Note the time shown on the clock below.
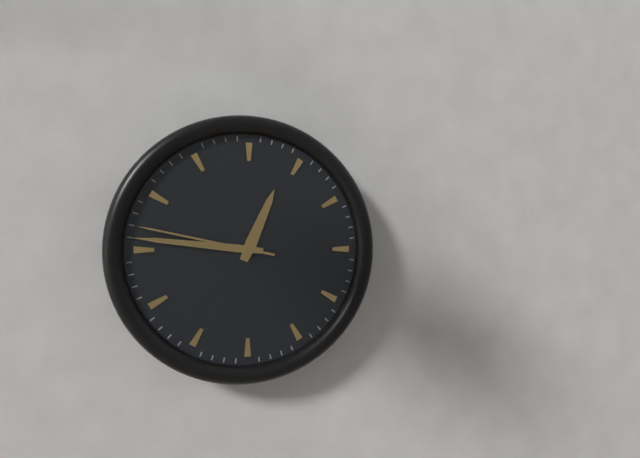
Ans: 12:46:47
